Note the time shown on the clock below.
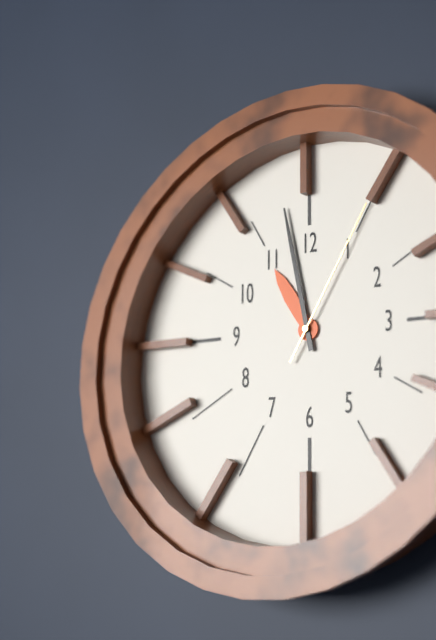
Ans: 10:58:05
